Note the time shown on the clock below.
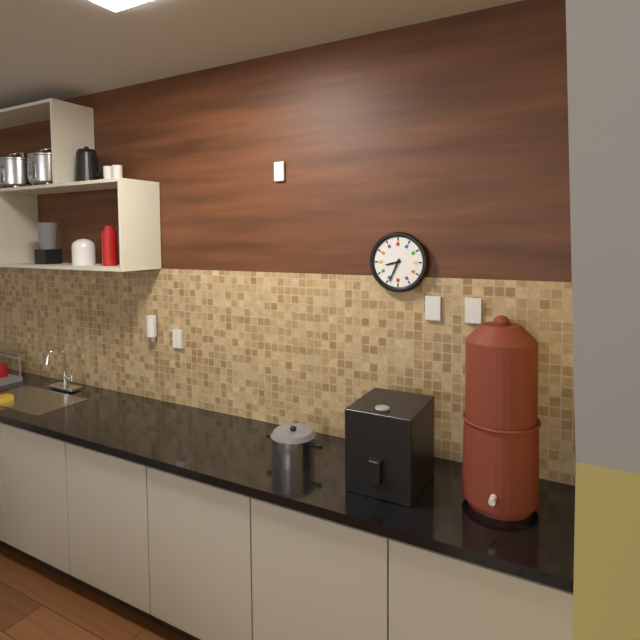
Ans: 8:34
